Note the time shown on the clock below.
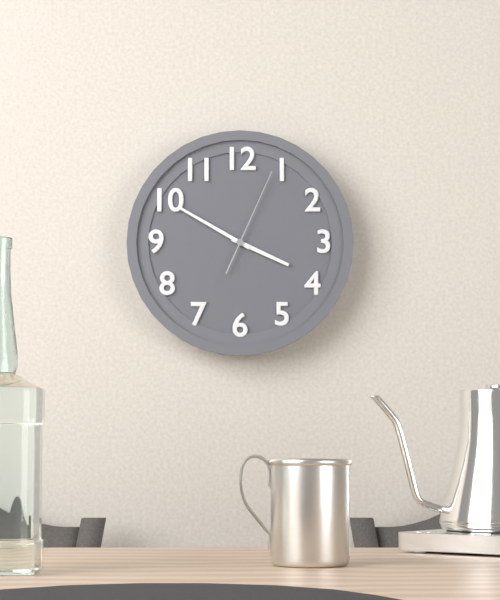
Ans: 3:50:04
